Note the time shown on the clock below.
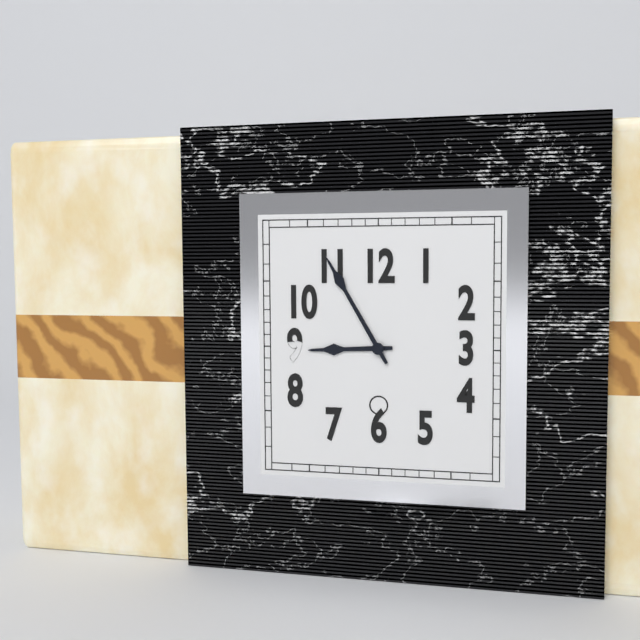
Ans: 8:55
